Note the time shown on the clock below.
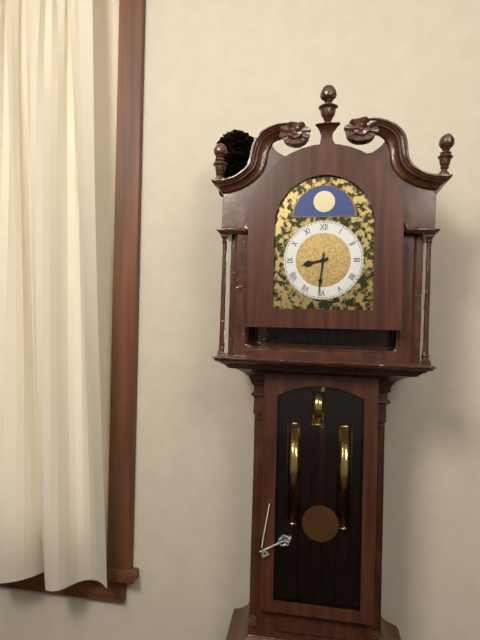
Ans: 8:31
